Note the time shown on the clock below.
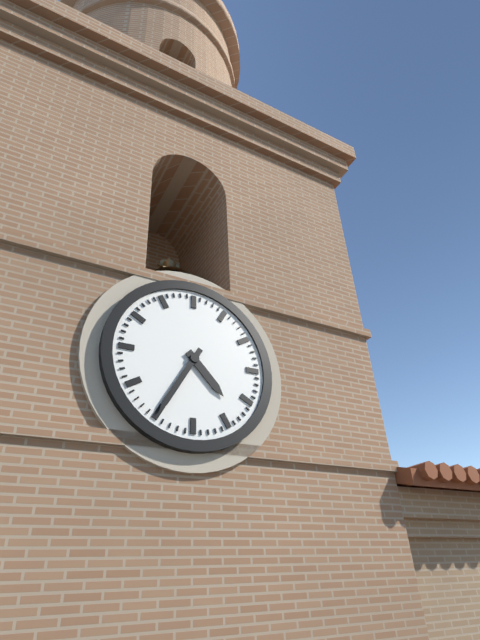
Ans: 4:35
